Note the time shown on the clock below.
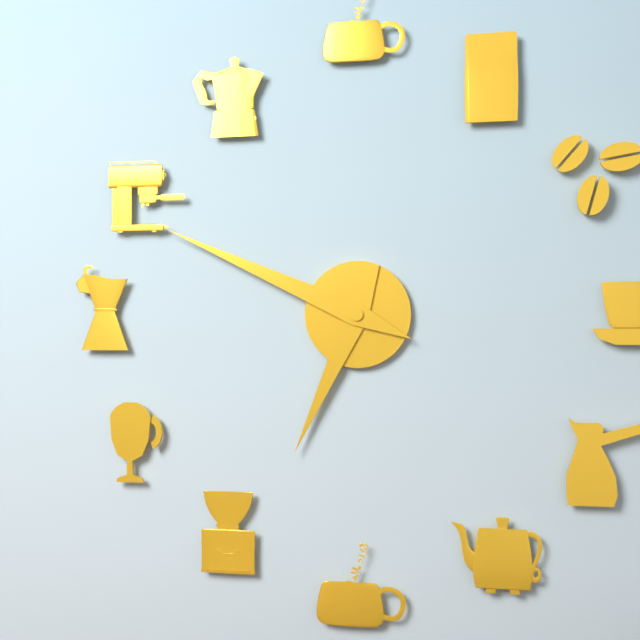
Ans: 6:49
